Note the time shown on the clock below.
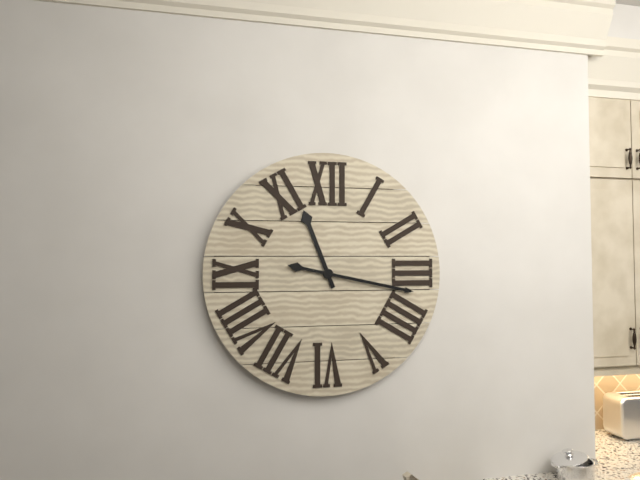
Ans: 11:17
